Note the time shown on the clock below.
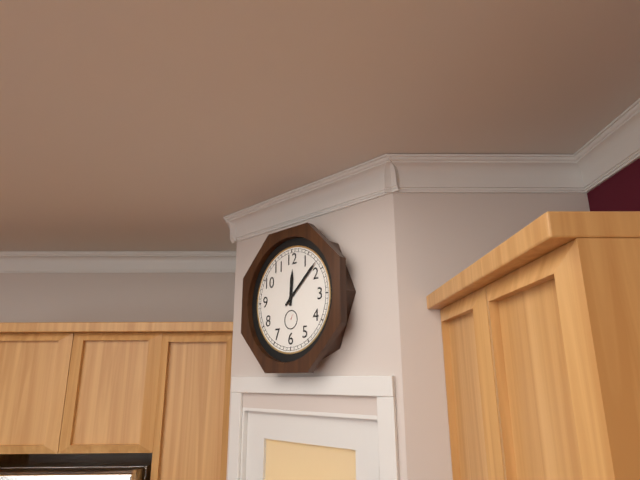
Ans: 12:08
